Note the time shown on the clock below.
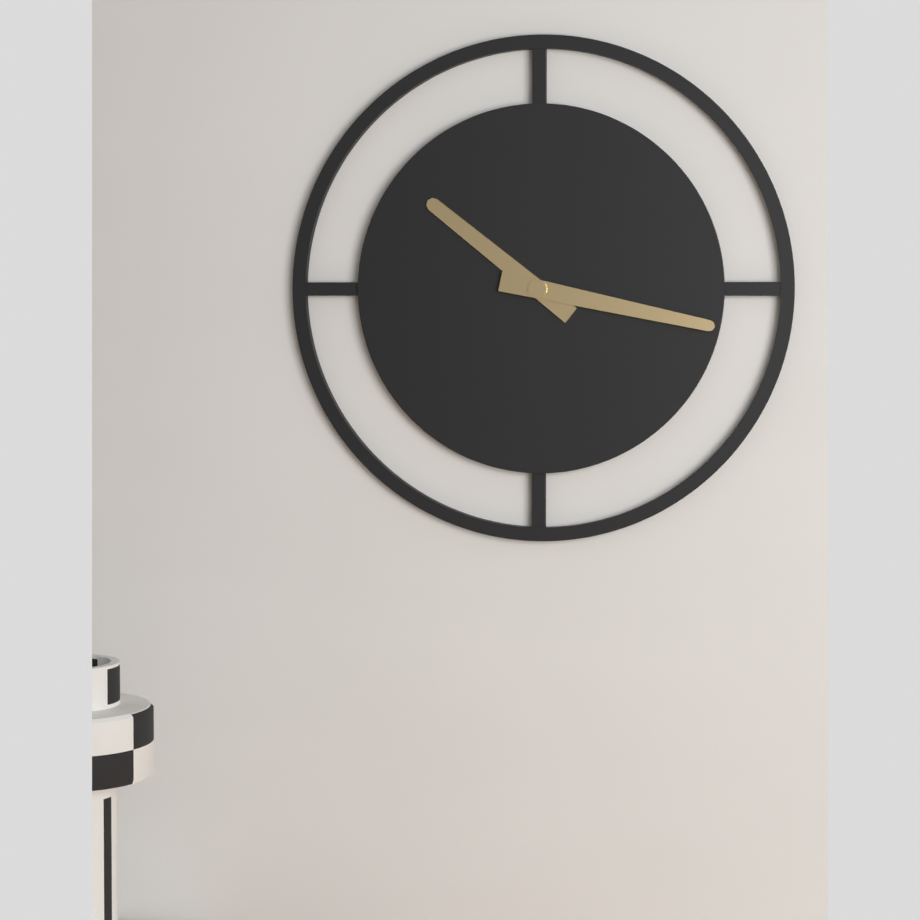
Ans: 10:17
